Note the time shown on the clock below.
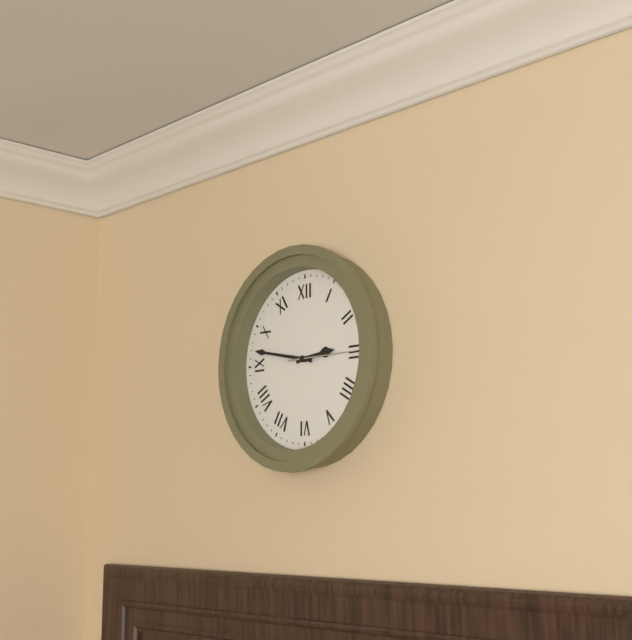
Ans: 2:47:15
